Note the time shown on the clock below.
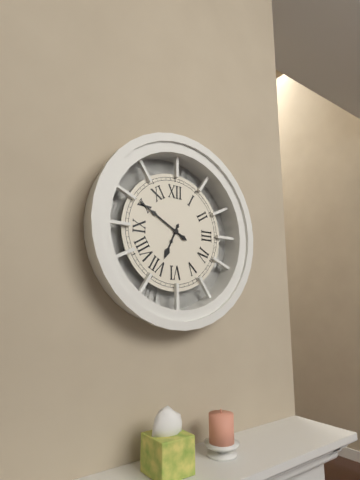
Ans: 6:50
